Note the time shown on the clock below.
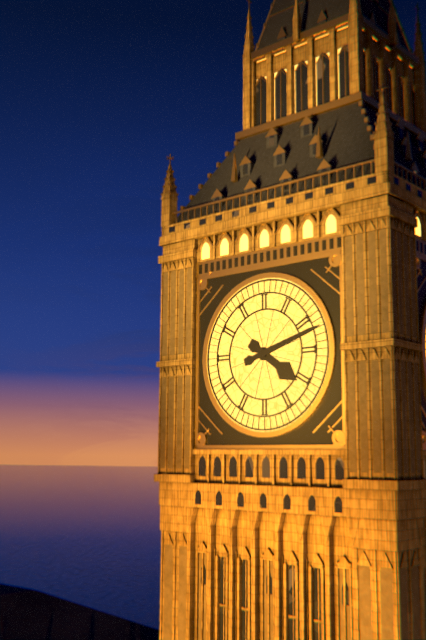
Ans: 4:12
